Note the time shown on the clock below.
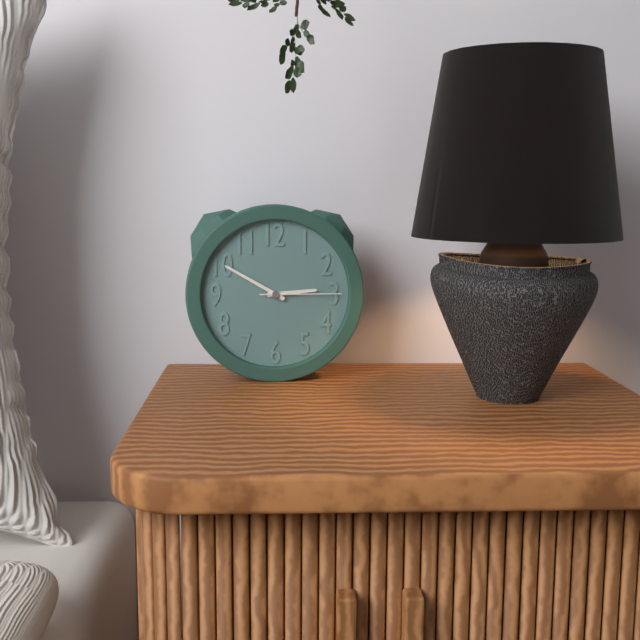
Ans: 2:50:15
